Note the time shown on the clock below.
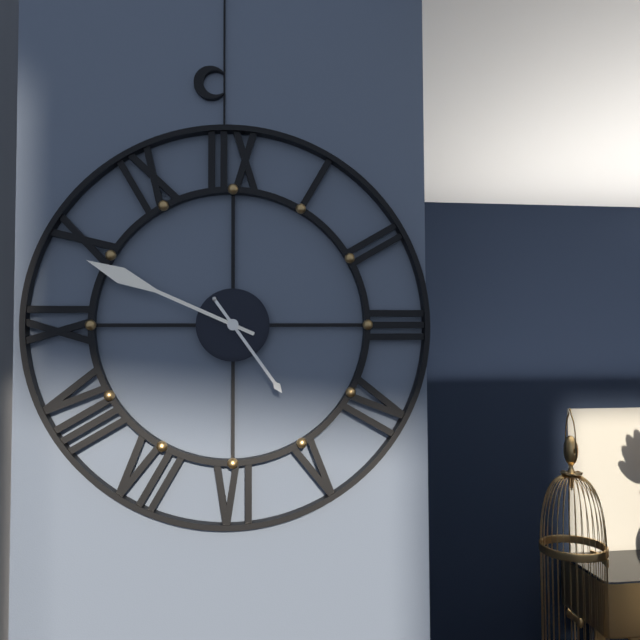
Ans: 4:49
